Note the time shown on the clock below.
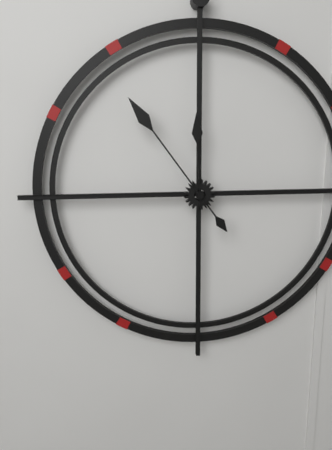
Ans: 11:54
